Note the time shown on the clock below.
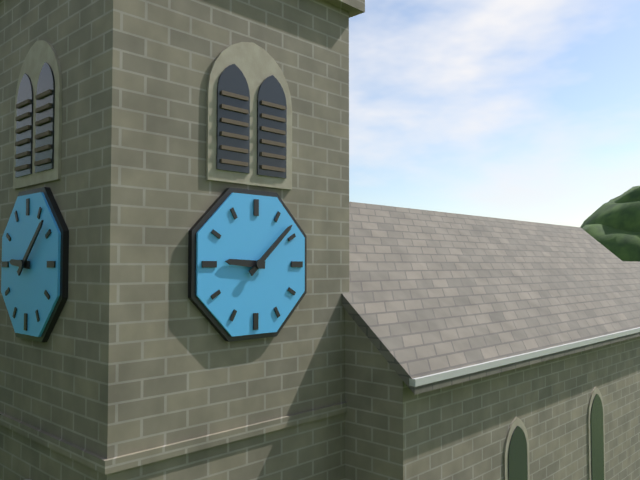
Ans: 9:08
